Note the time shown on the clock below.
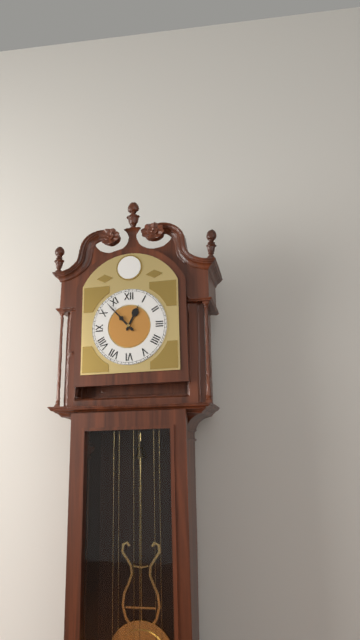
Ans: 12:53
